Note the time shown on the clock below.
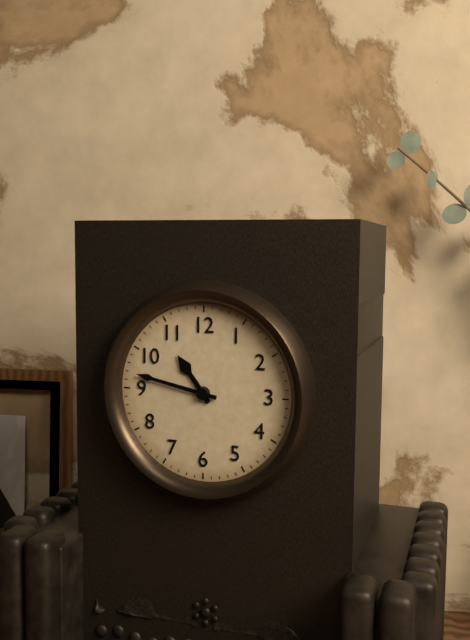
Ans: 10:47
